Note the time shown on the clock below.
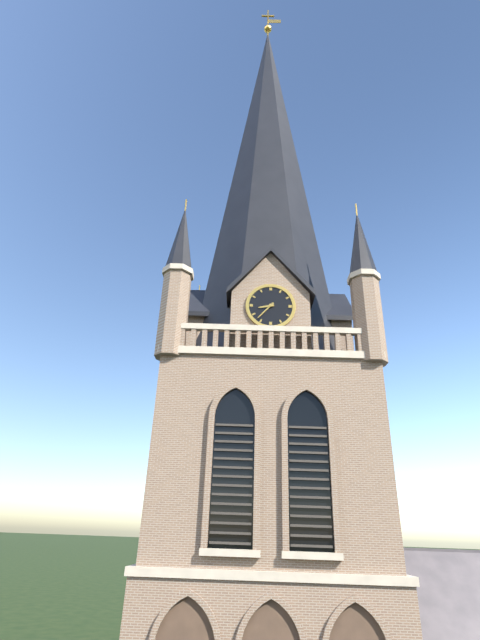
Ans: 8:37
